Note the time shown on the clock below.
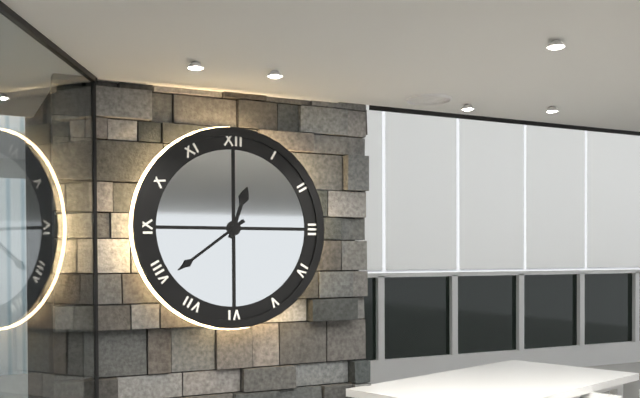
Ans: 12:39
